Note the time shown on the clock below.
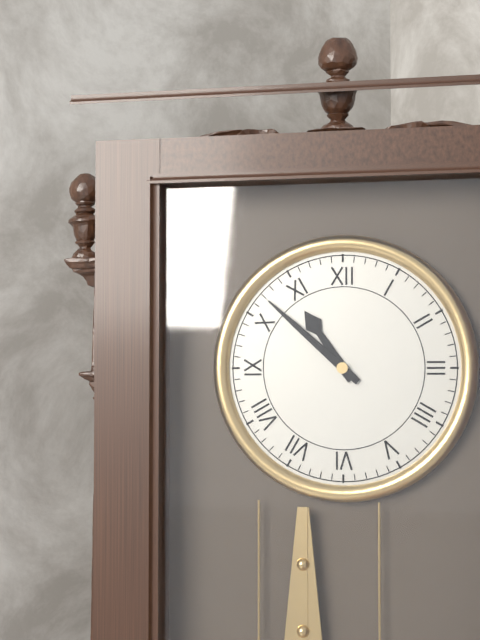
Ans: 10:52
